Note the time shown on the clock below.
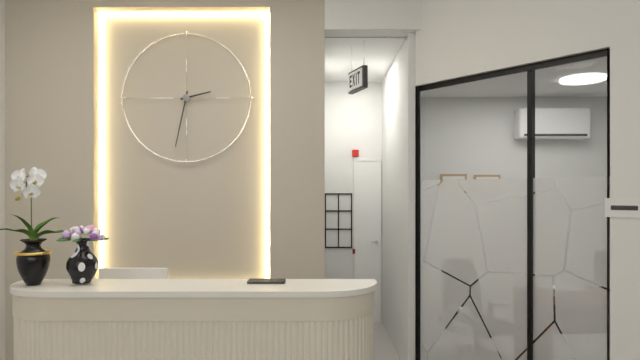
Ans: 2:32
